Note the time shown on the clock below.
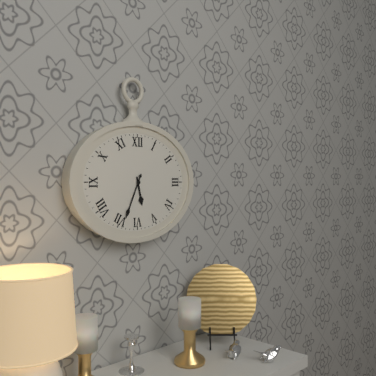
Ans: 5:34
